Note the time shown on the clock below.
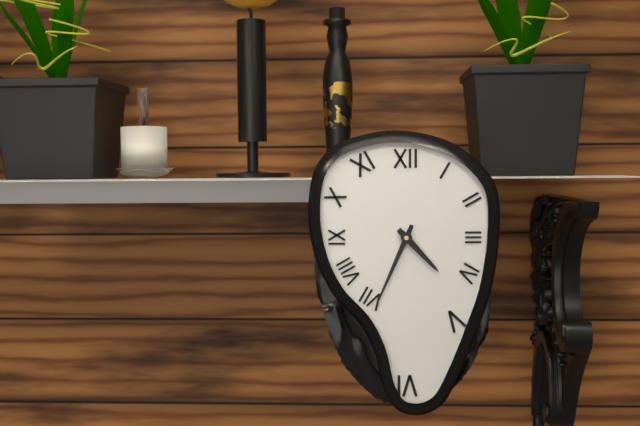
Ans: 4:34
